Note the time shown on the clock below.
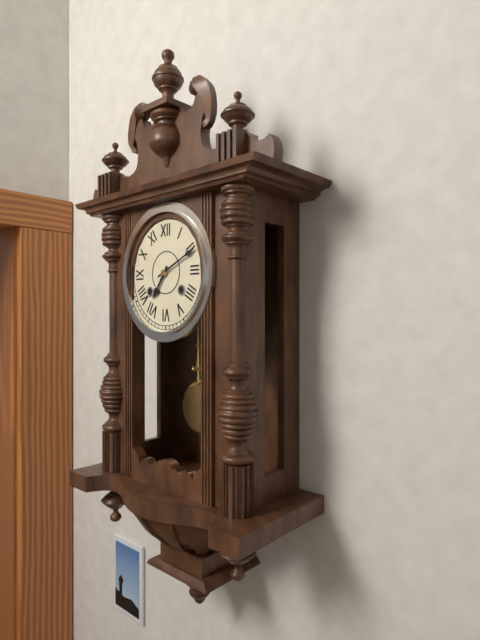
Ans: 7:11
